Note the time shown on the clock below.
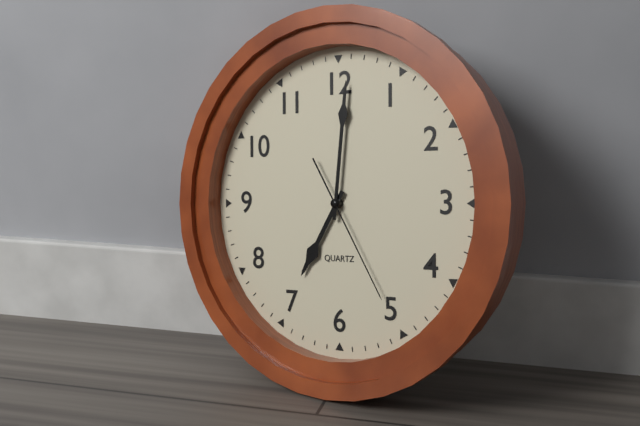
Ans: 7:01:25
